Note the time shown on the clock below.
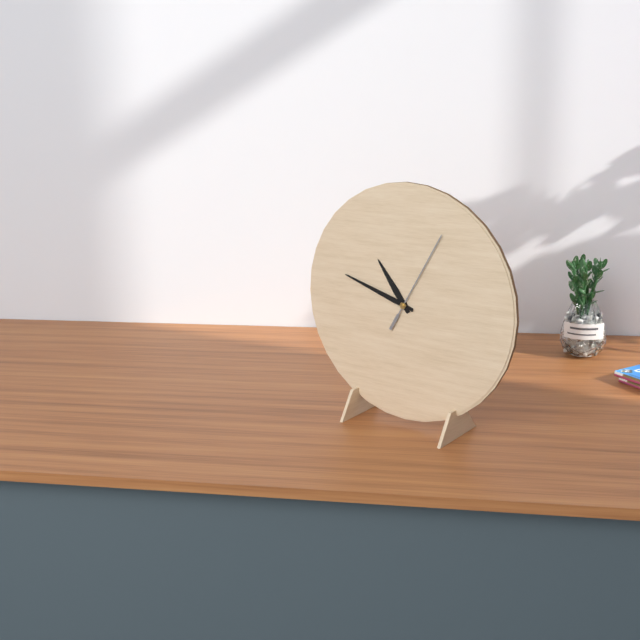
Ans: 10:48:05
